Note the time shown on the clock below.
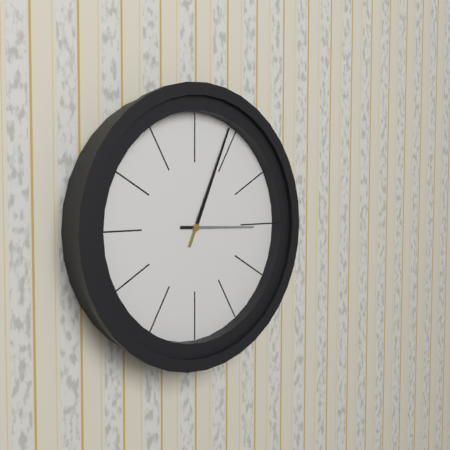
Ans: 3:04
